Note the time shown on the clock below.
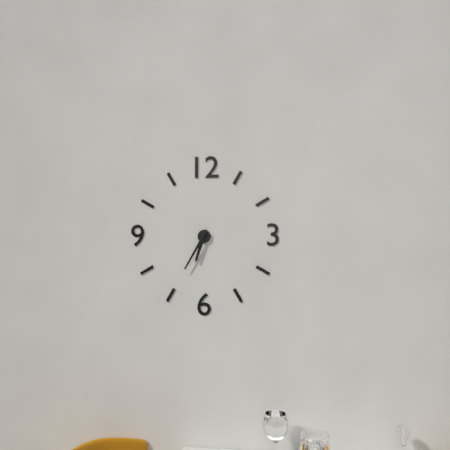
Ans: 6:35
